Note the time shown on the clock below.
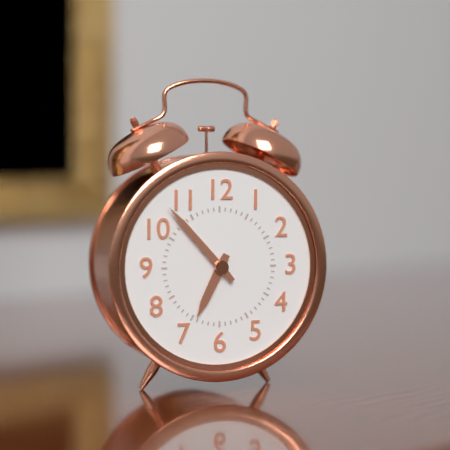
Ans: 6:53
